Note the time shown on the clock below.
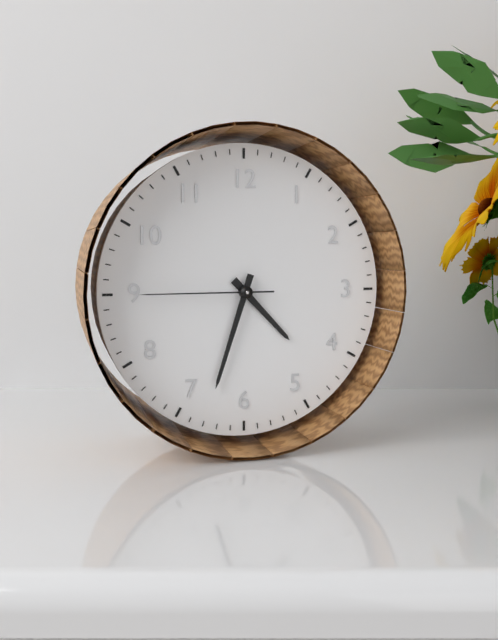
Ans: 4:33:45
